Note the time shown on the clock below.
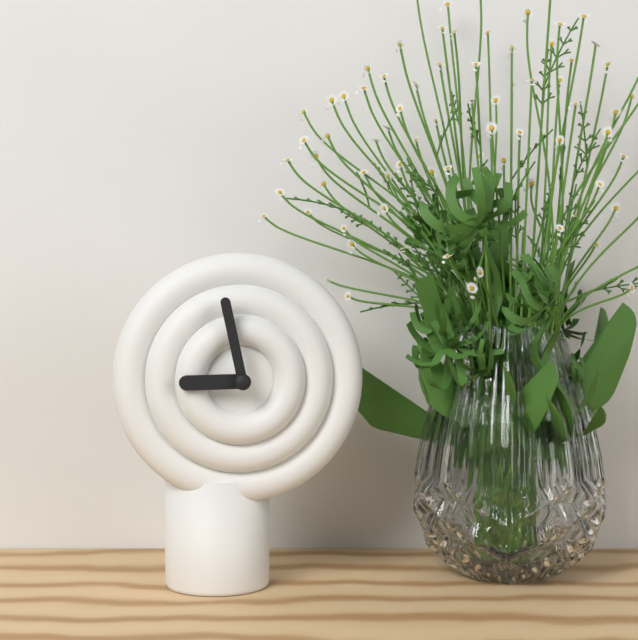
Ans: 8:58
